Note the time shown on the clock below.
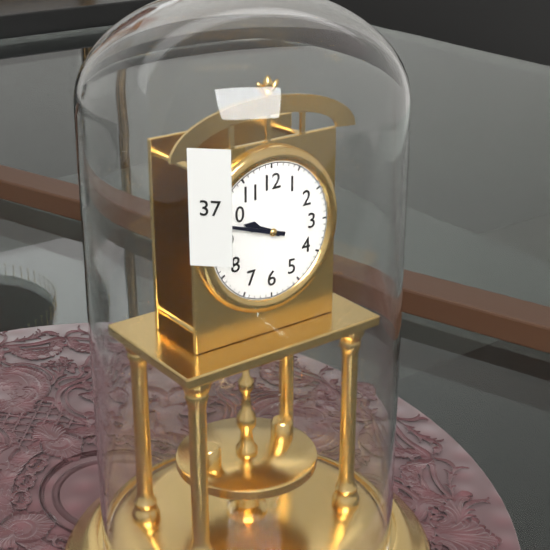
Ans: 9:48
